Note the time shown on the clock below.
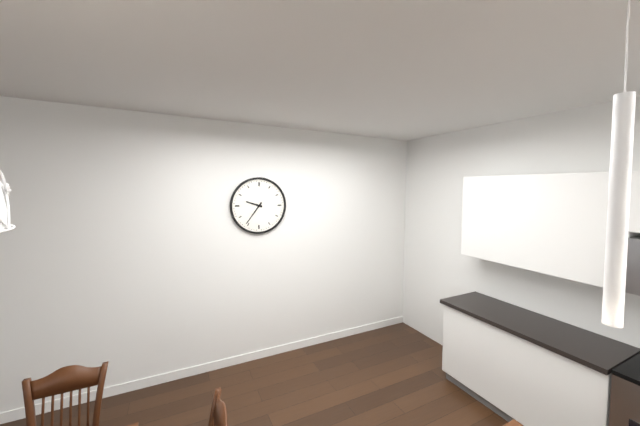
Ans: 9:36
